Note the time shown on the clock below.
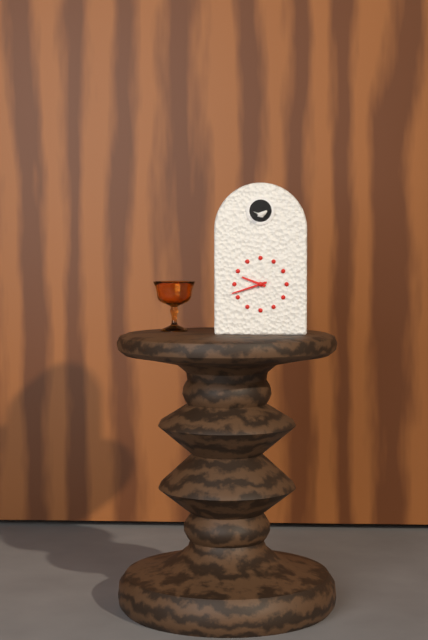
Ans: 9:42
